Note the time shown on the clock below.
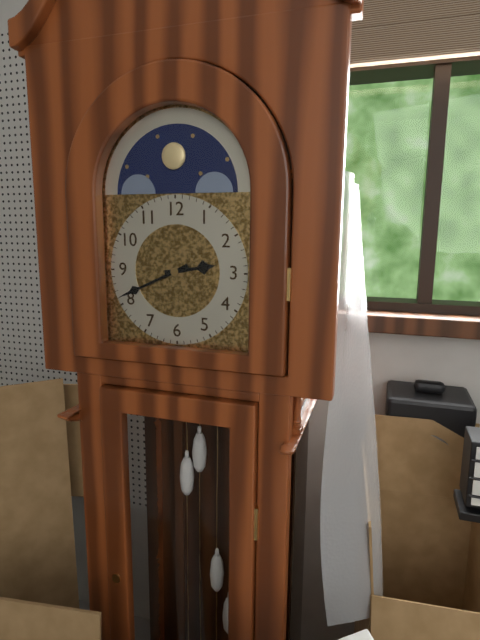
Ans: 2:41
